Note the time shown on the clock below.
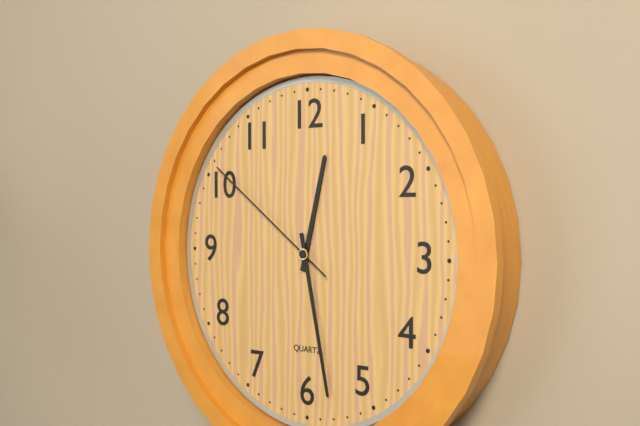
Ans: 12:28:51
